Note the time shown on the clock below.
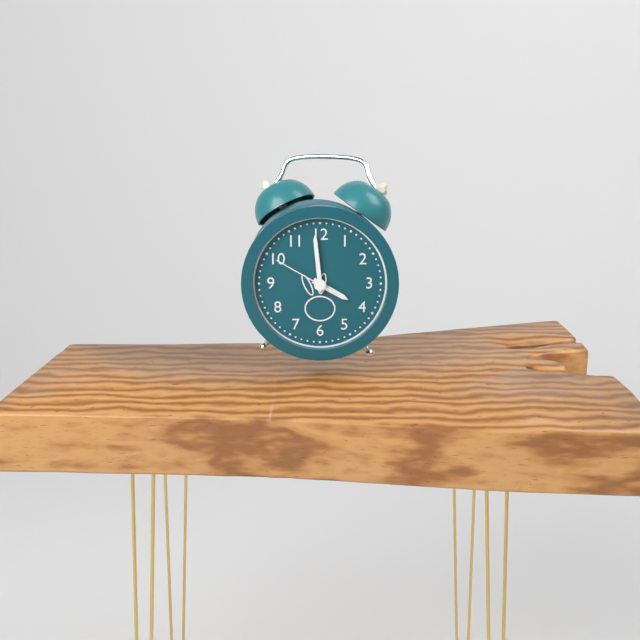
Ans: 3:59:50
